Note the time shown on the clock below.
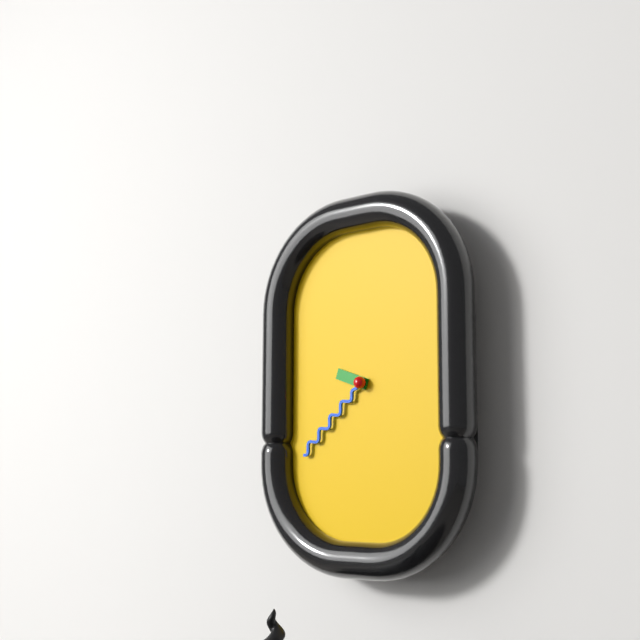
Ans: 9:38
